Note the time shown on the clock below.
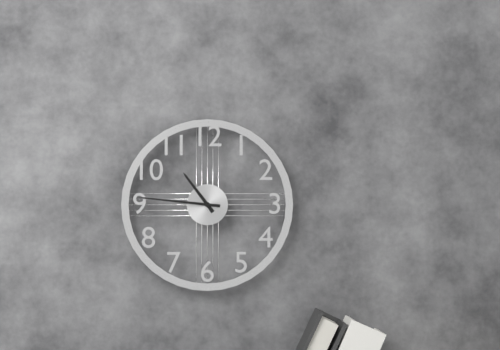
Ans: 10:46
